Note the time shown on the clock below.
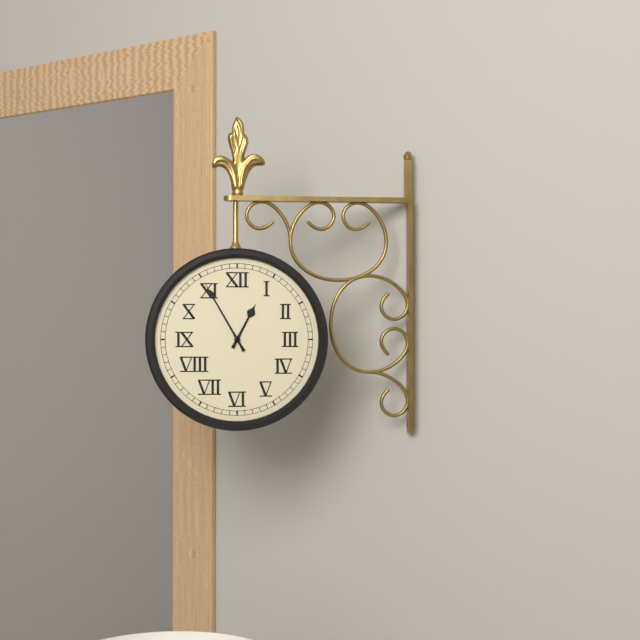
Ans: 12:55
